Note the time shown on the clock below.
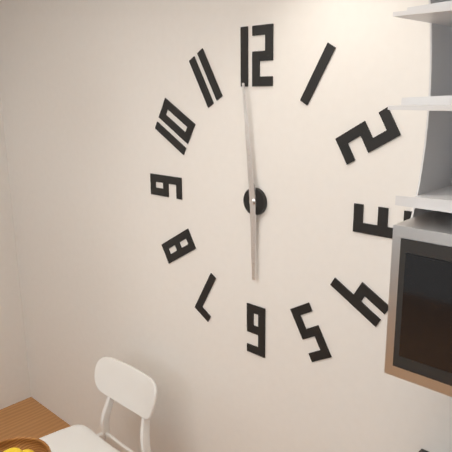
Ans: 5:59
